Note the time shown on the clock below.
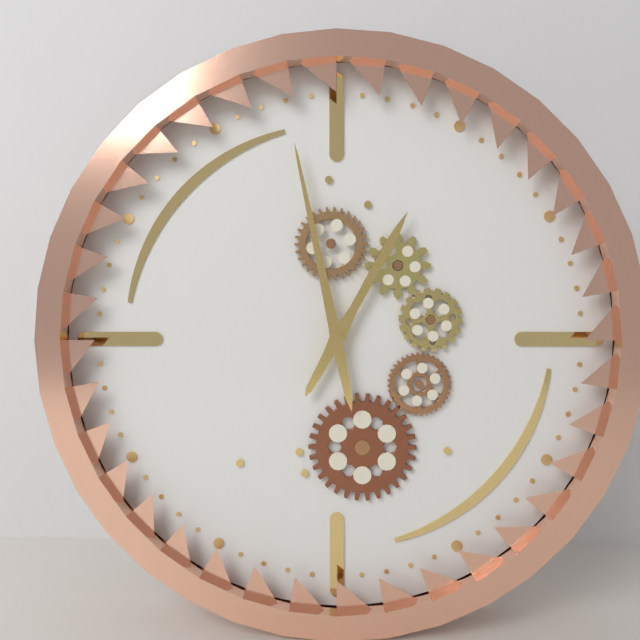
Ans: 12:58
